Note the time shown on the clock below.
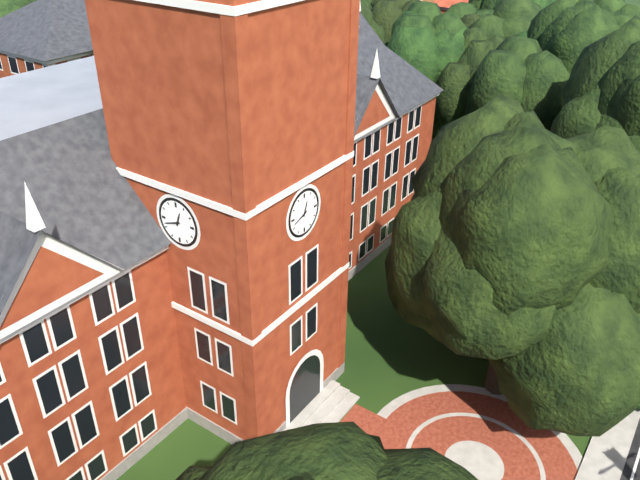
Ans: 12:42
